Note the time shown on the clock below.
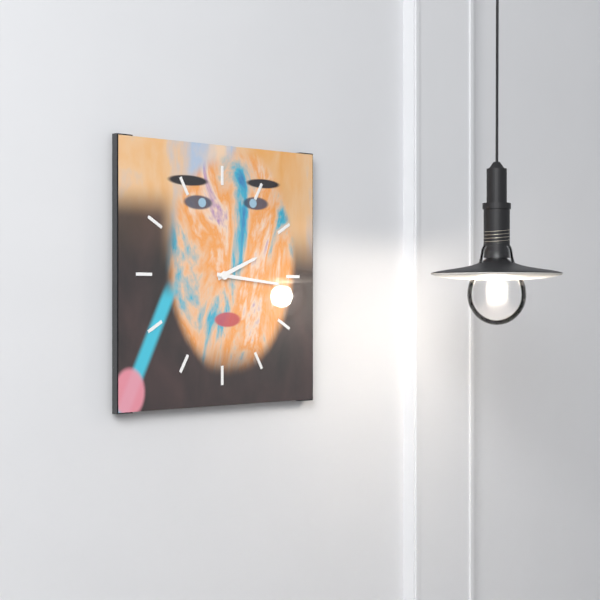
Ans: 2:16
